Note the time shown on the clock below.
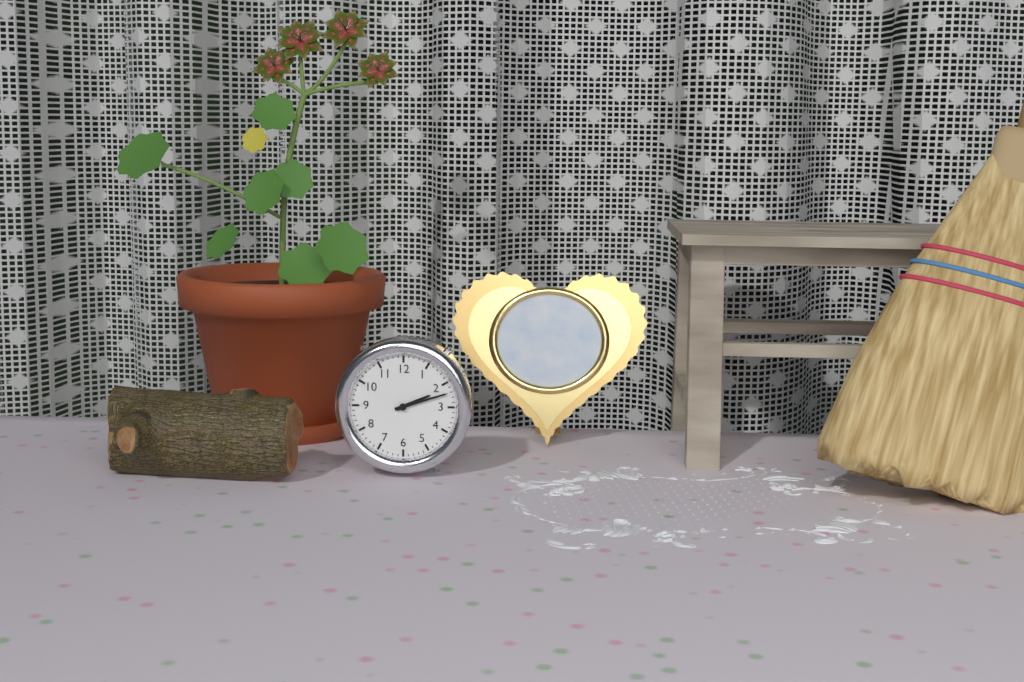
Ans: 2:12
